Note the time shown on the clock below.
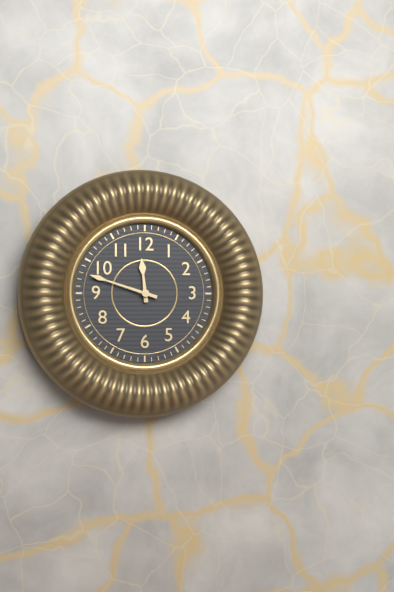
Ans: 11:48
